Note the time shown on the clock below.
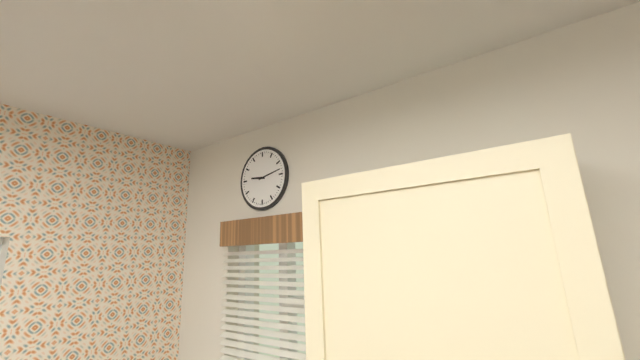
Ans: 9:13
